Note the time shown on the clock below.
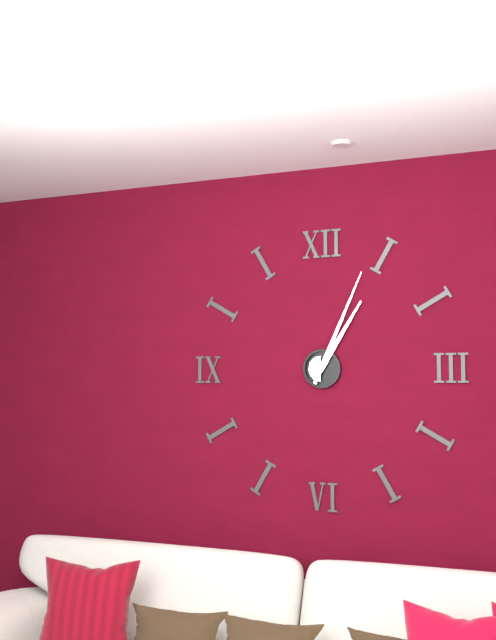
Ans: 1:04
